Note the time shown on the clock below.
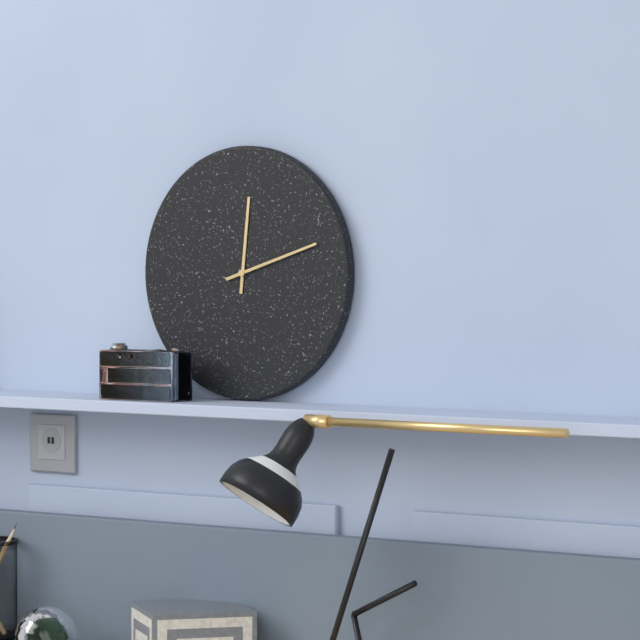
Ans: 12:12
